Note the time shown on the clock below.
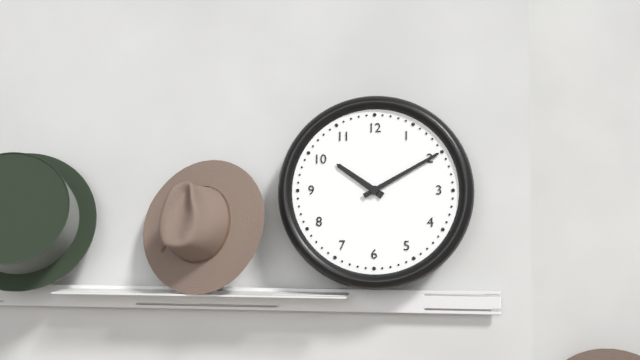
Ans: 10:10
